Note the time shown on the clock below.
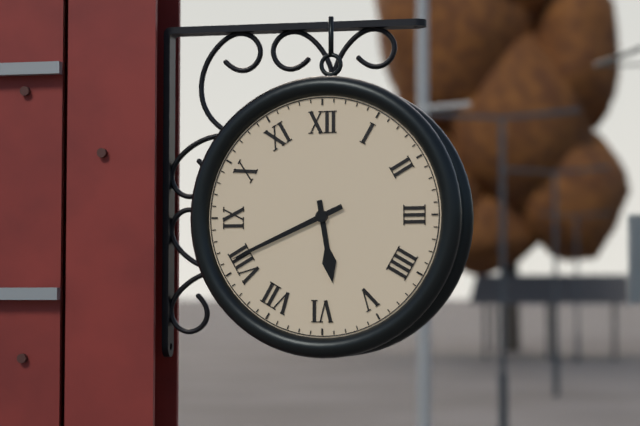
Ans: 5:41
